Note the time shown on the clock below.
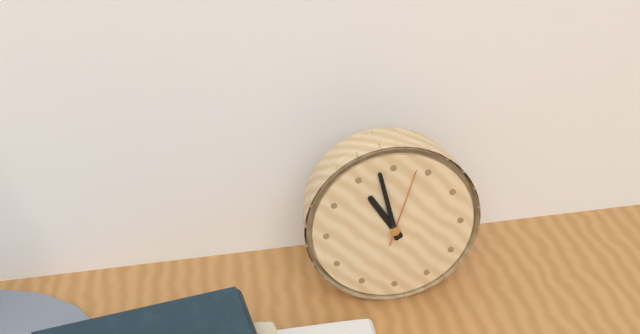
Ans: 10:58:03
